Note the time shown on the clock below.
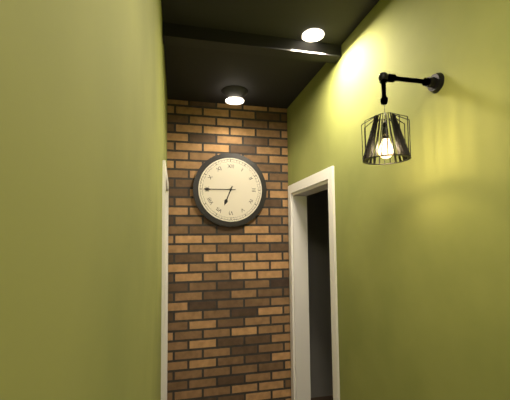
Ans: 6:45
